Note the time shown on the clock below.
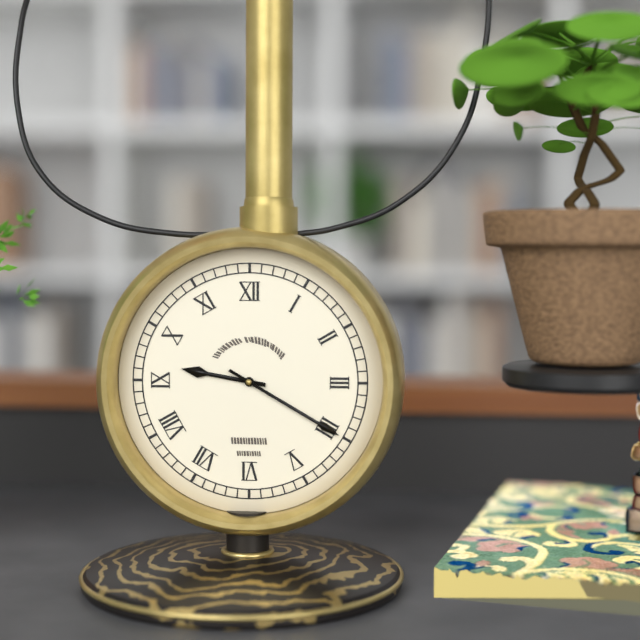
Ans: 9:20
